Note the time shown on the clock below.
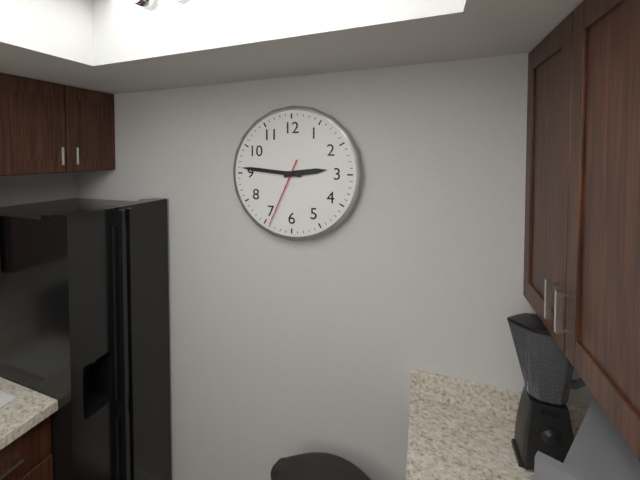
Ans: 2:46:34
